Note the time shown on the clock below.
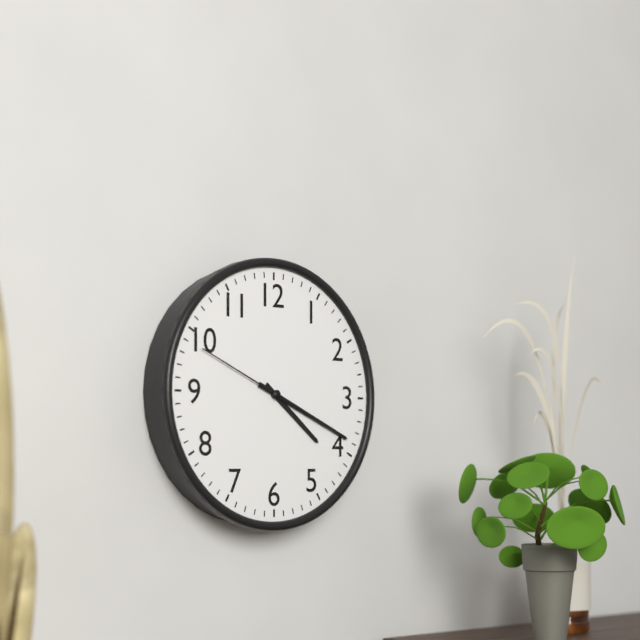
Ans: 4:19:49
